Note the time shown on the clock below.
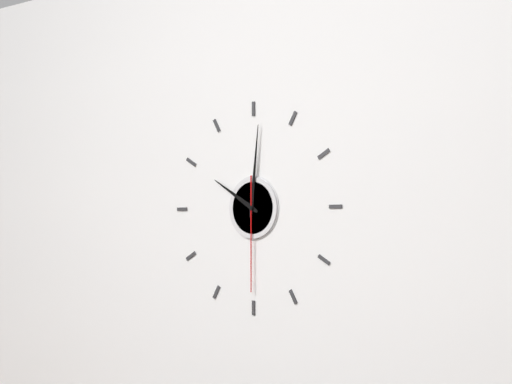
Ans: 10:01:30
